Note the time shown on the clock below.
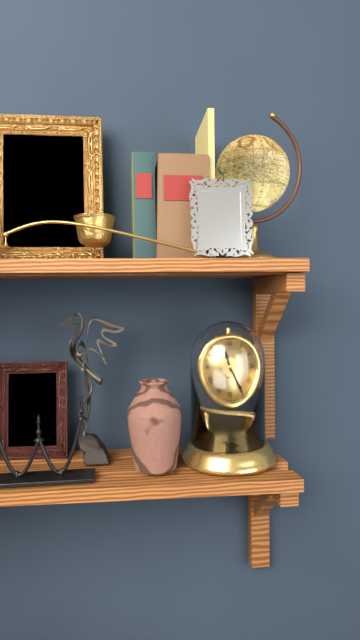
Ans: 11:25
